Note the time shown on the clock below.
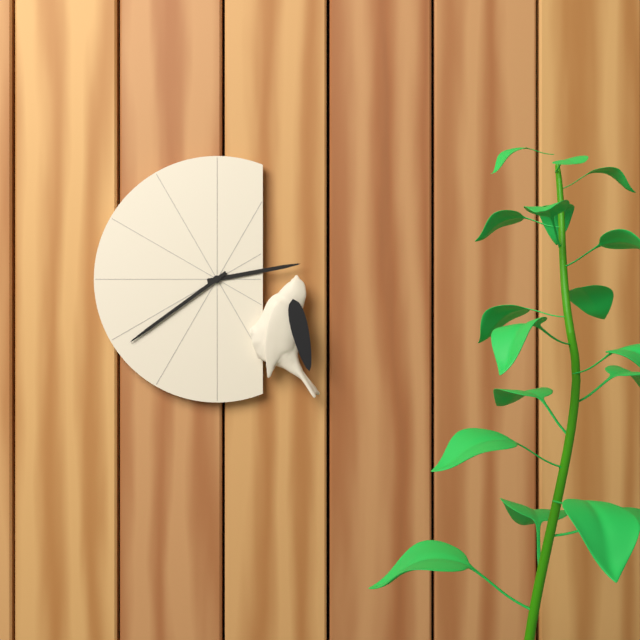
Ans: 2:39
